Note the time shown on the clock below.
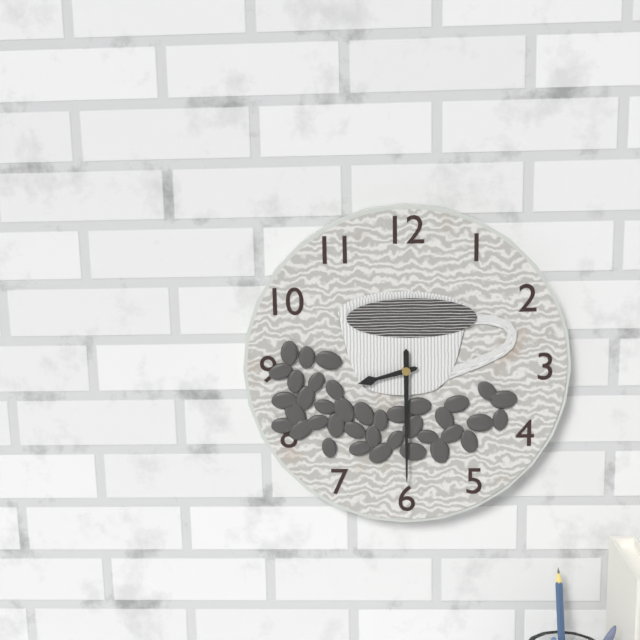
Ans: 8:30
